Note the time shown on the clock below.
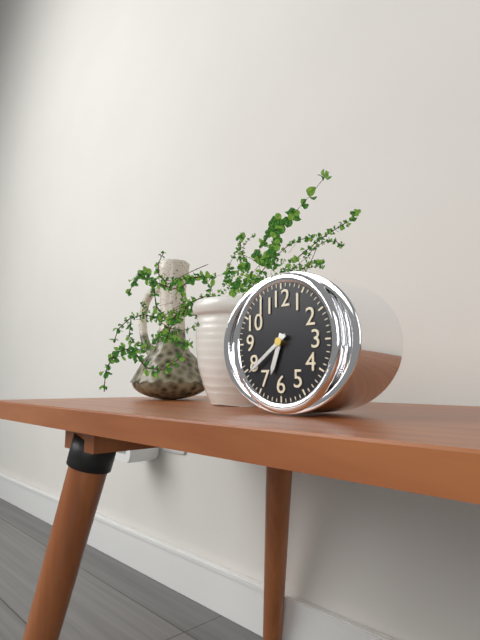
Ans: 6:39
